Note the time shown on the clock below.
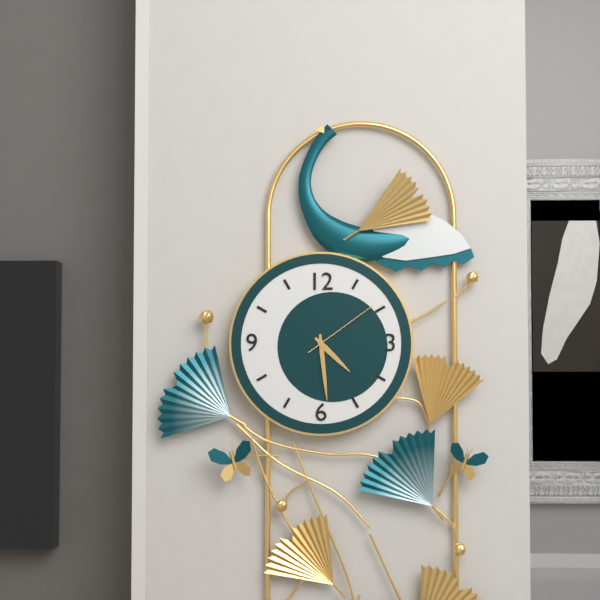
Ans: 4:29:09
